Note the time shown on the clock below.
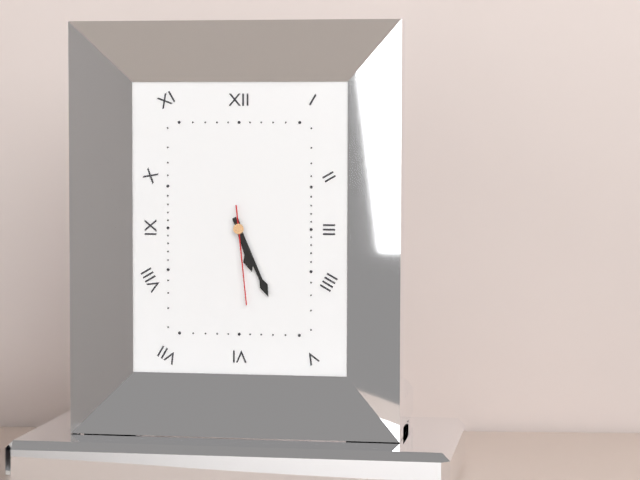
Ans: 5:26:29
